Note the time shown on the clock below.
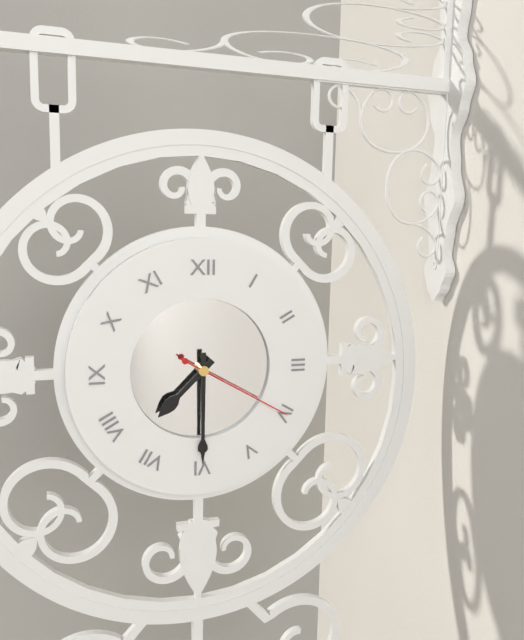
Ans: 7:30:20
